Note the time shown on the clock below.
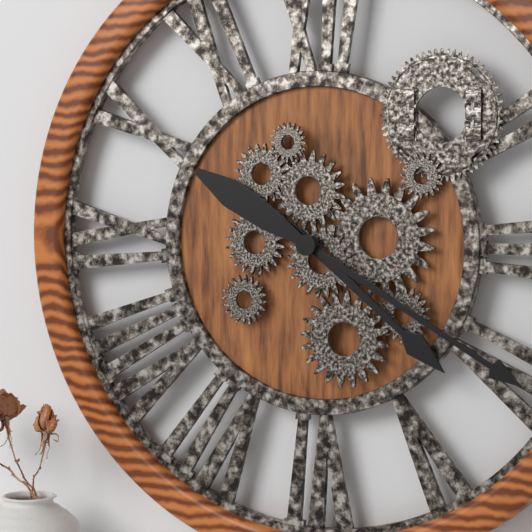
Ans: 4:20
